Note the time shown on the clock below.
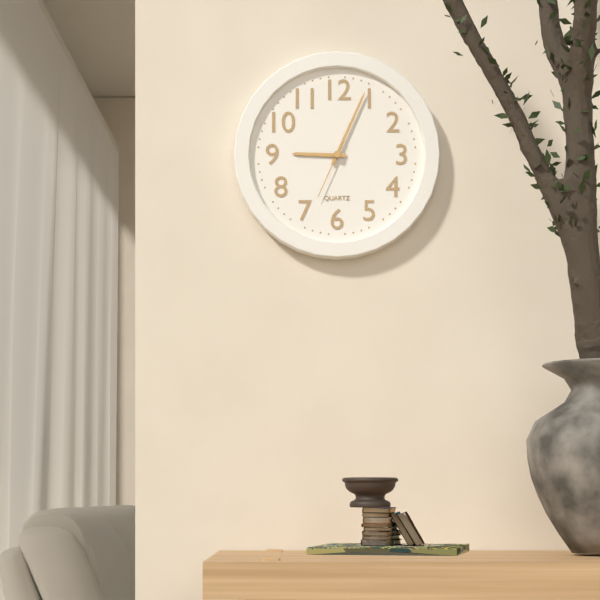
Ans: 9:04:34
